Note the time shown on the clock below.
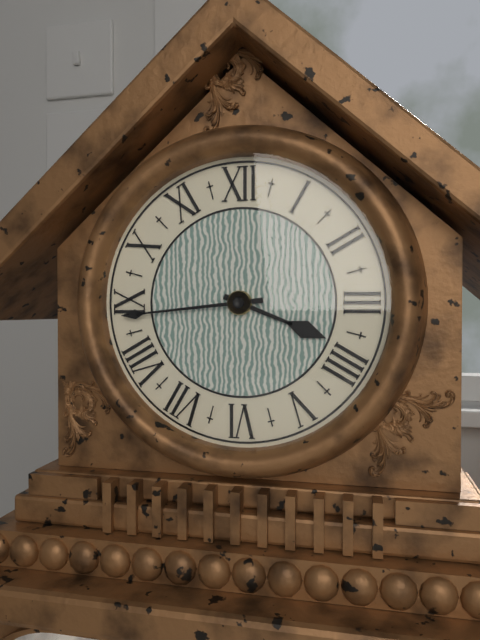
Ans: 3:44
